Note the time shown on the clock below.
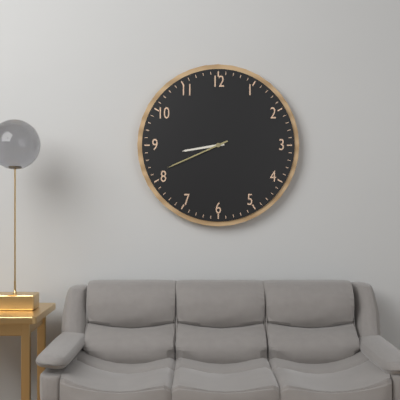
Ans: 8:41
